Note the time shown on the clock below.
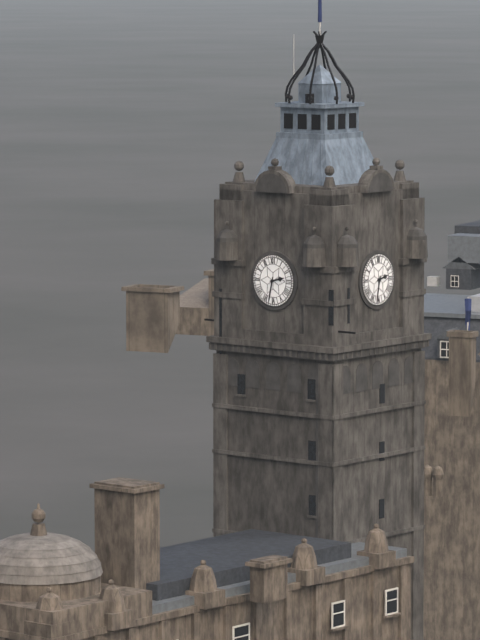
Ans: 2:32
